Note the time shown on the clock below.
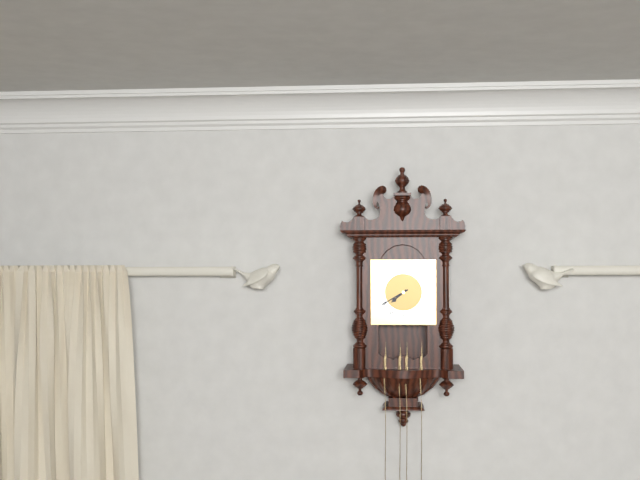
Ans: 7:40
